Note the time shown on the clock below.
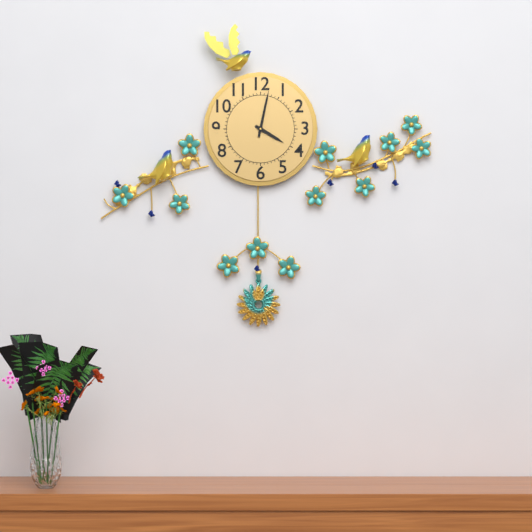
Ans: 4:02
